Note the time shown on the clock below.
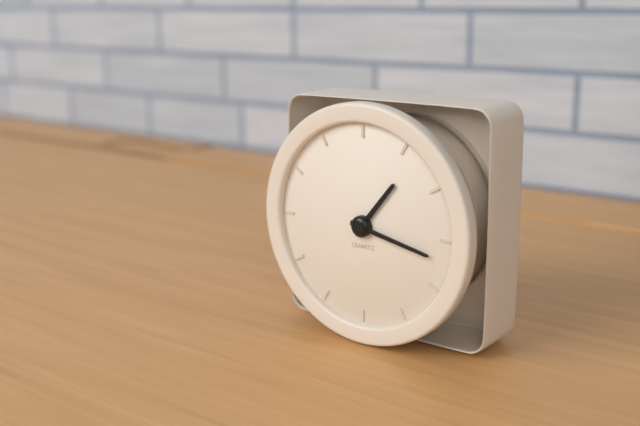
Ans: 1:17
